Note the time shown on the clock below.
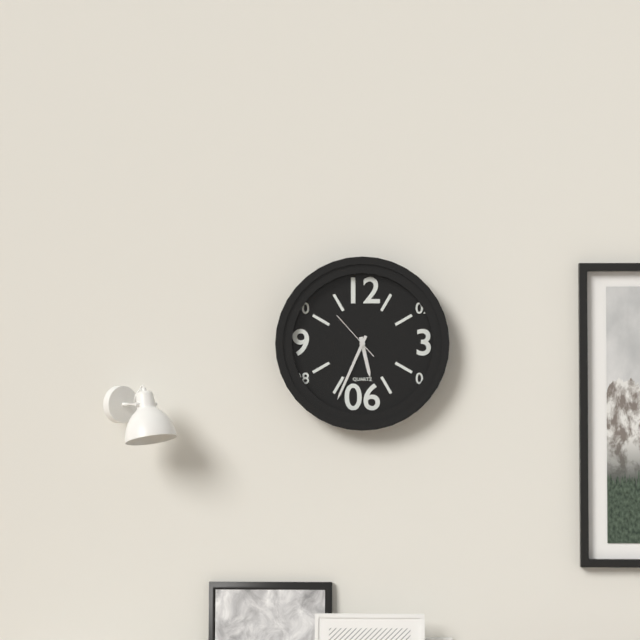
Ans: 5:34
